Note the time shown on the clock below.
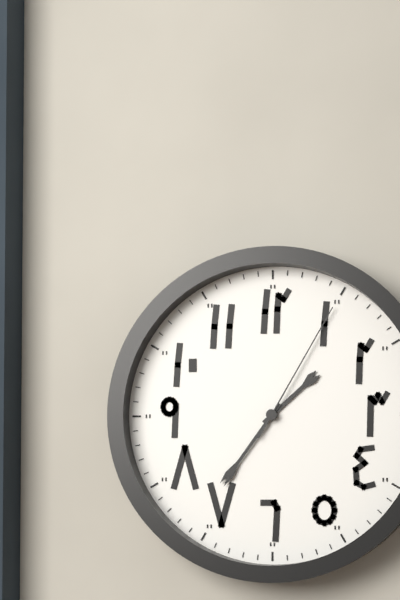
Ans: 1:36:05
